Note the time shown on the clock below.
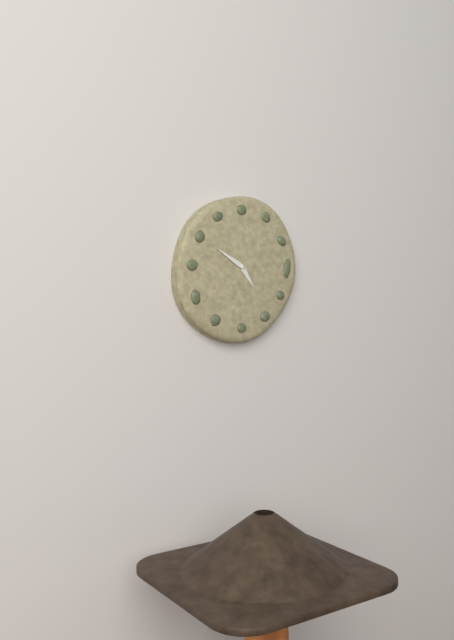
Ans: 4:50
